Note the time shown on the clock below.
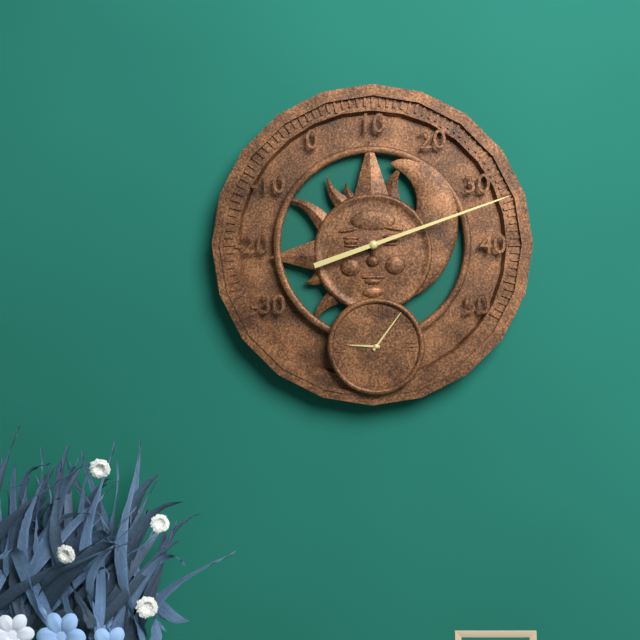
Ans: 9:06
